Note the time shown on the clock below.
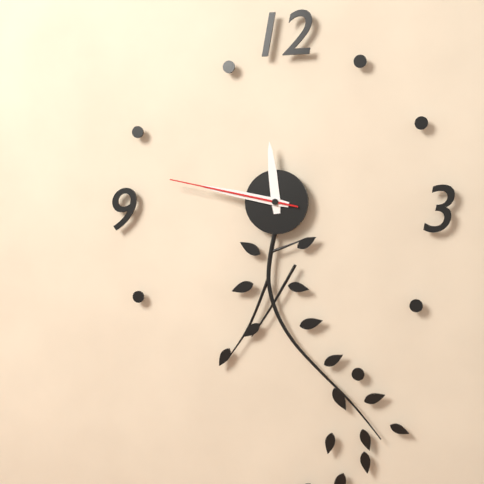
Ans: 11:47:47
